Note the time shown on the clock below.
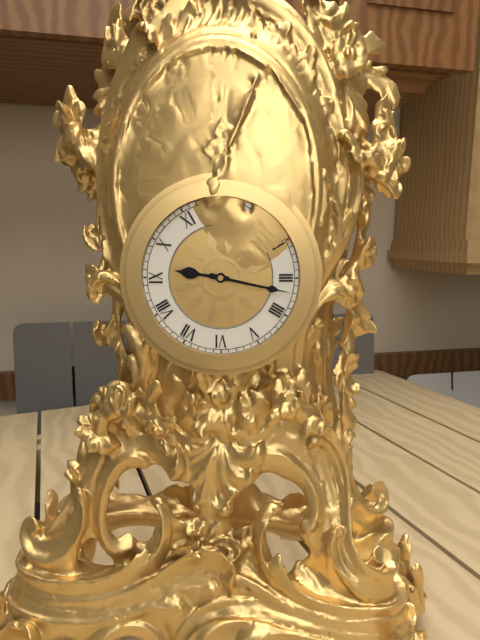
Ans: 9:17
